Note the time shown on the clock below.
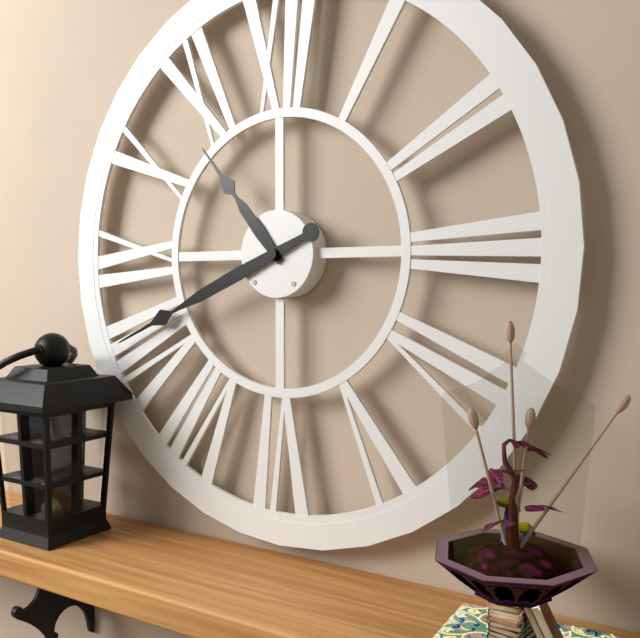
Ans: 10:41
